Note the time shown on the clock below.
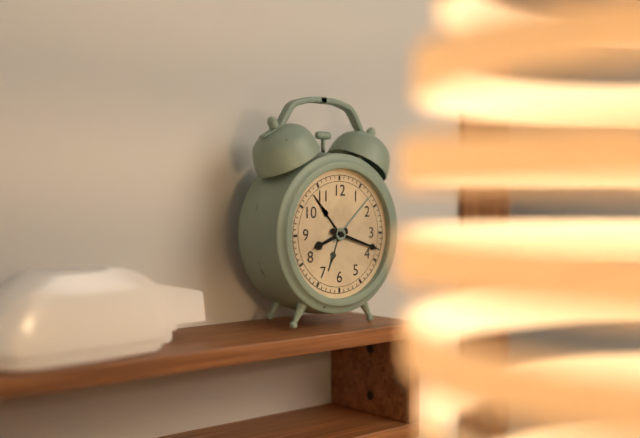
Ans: 8:18
